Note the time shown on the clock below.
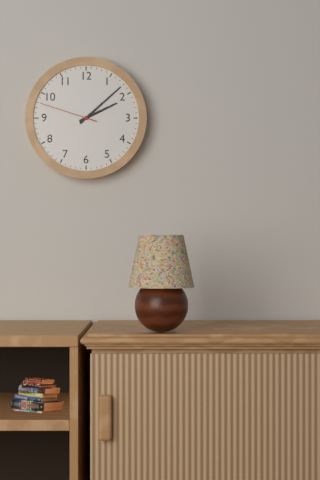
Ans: 2:08:48
